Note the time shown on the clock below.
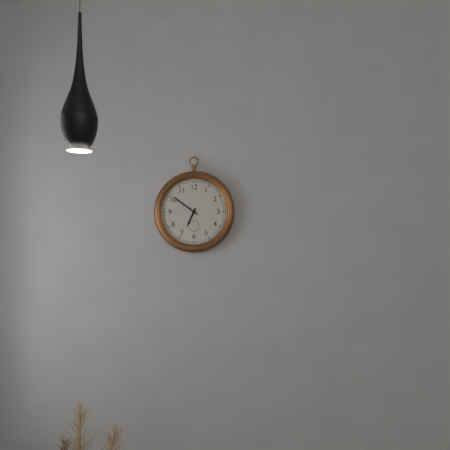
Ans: 6:51
